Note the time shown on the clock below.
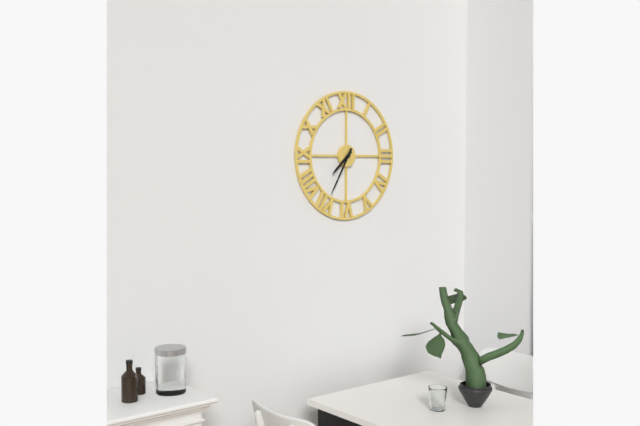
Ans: 7:35
